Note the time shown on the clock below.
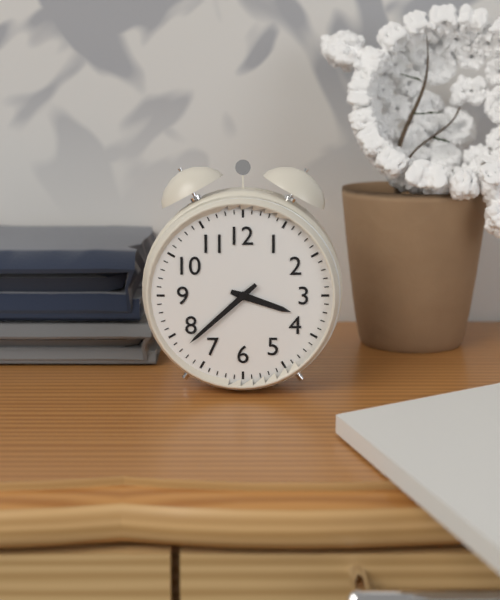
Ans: 3:38
